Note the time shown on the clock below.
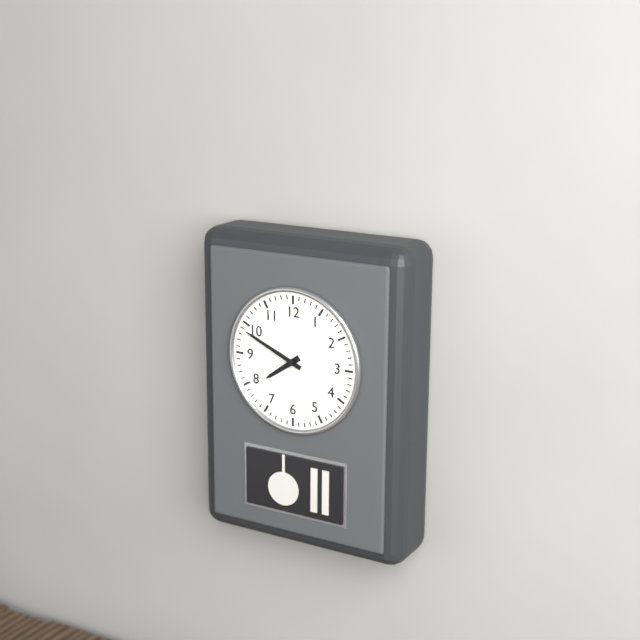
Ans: 7:49
